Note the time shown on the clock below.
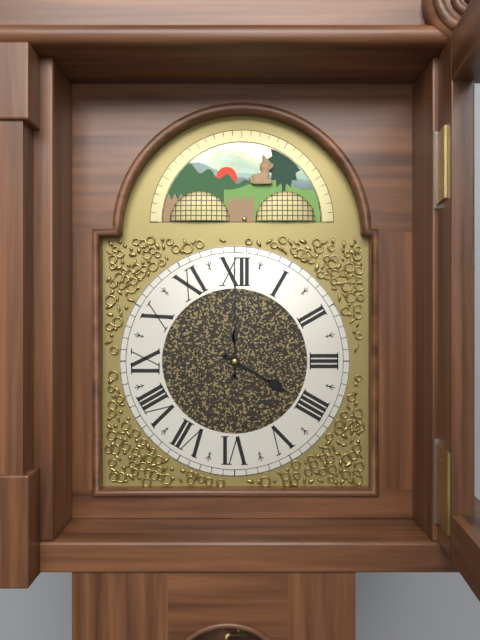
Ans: 4:00
